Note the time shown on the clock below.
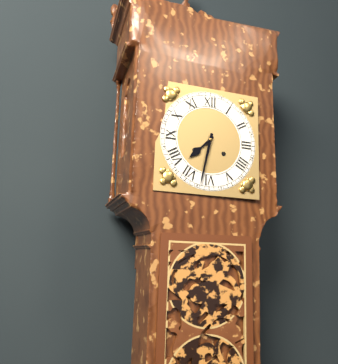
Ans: 7:32
